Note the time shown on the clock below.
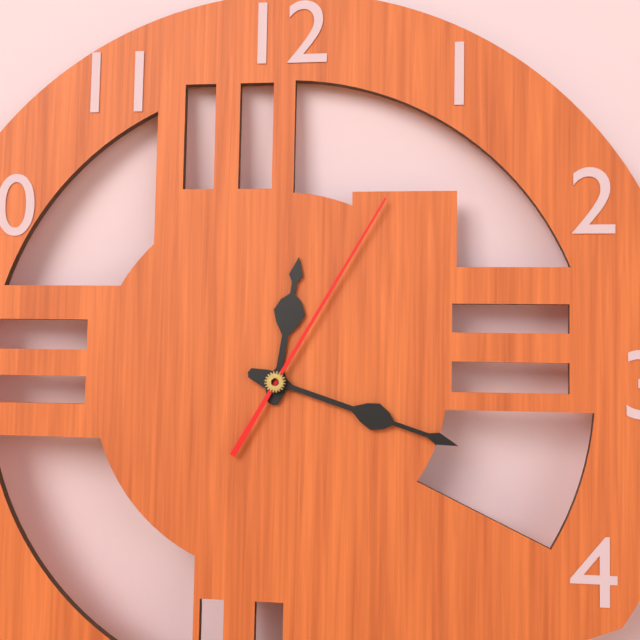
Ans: 12:18:05
